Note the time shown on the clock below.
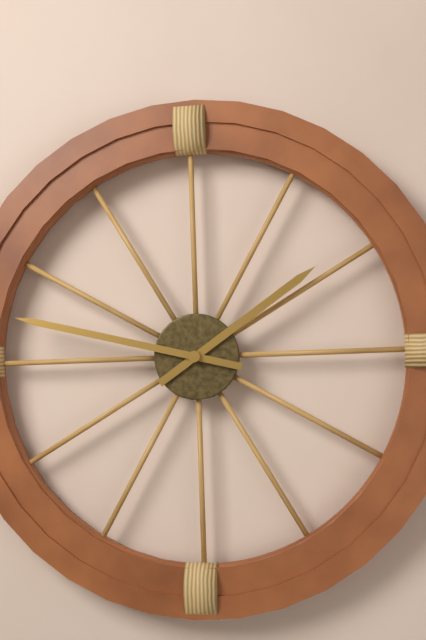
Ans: 1:47
